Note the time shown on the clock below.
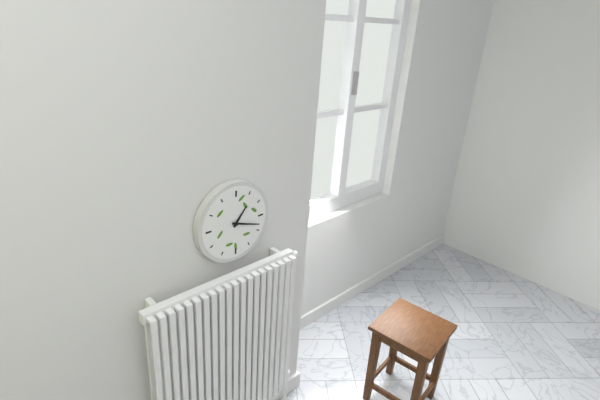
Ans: 1:18
